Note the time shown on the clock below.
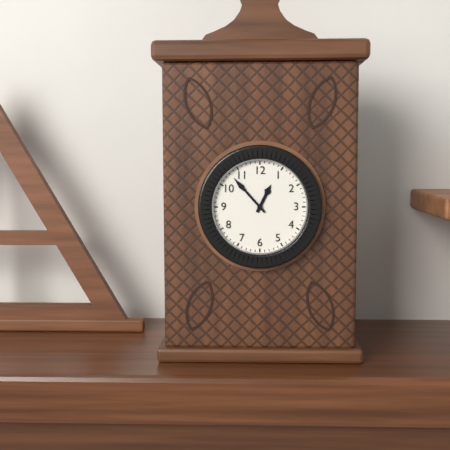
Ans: 12:53
